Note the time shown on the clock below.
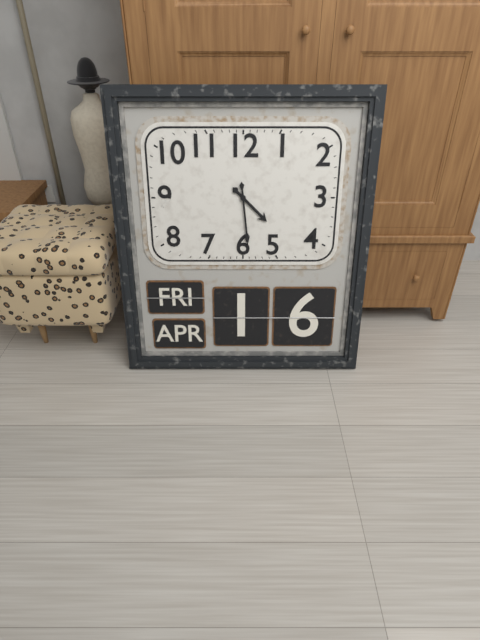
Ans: 4:29
